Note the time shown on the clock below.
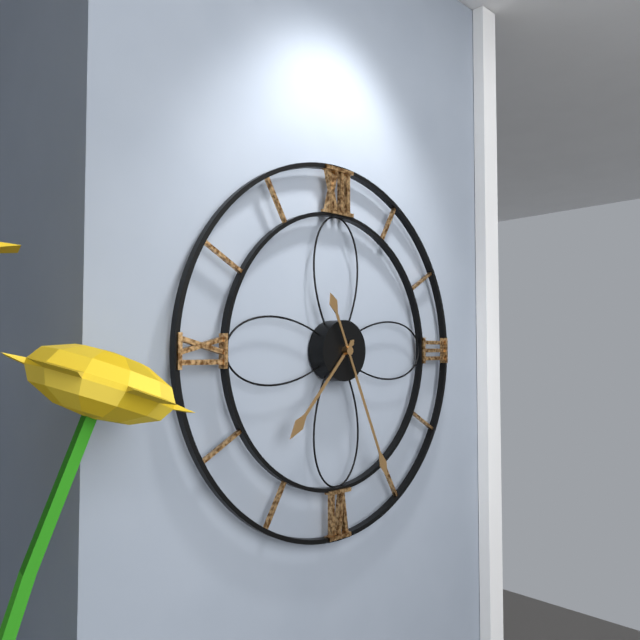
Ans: 7:26
